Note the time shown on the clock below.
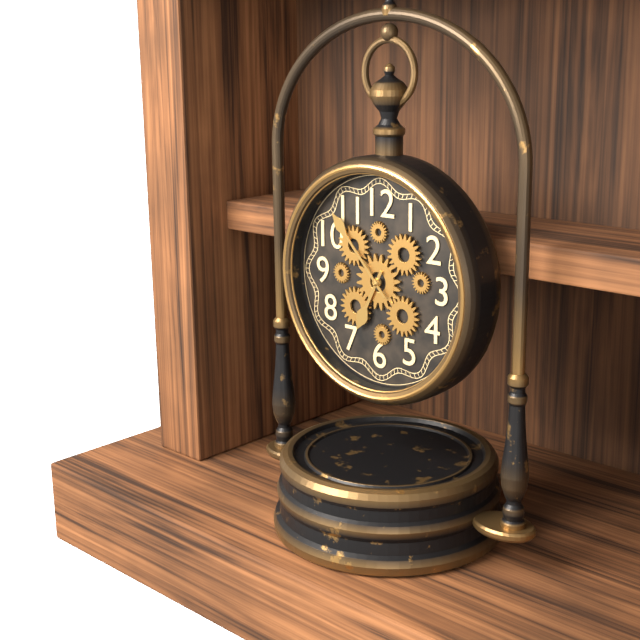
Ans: 6:53
